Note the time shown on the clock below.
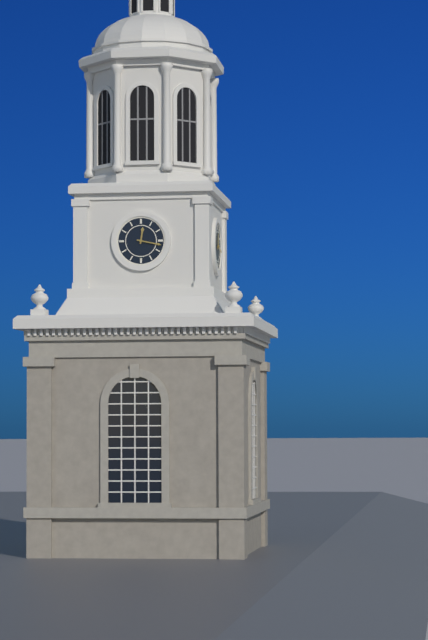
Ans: 12:17
